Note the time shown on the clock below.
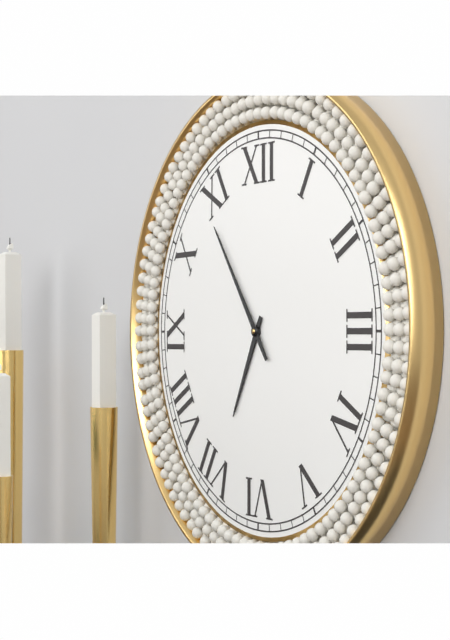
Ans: 6:54
